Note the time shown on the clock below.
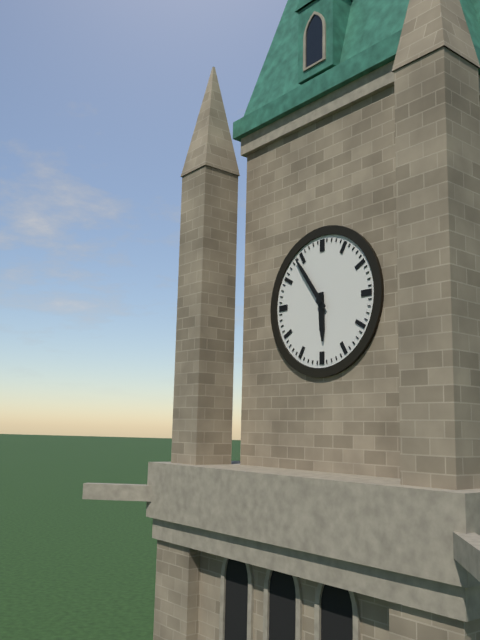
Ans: 5:54
